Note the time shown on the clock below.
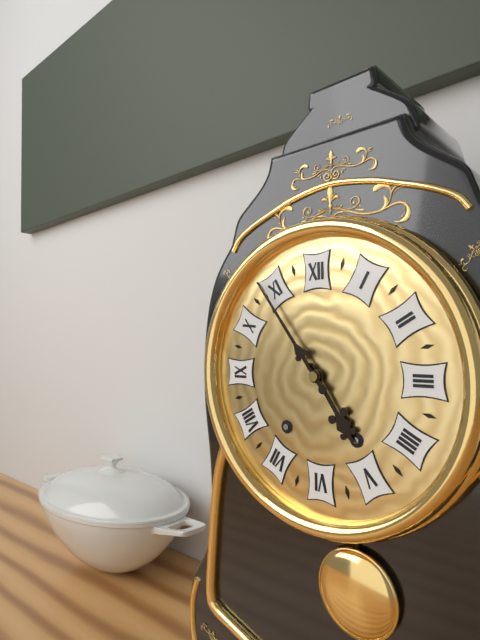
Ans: 4:54
